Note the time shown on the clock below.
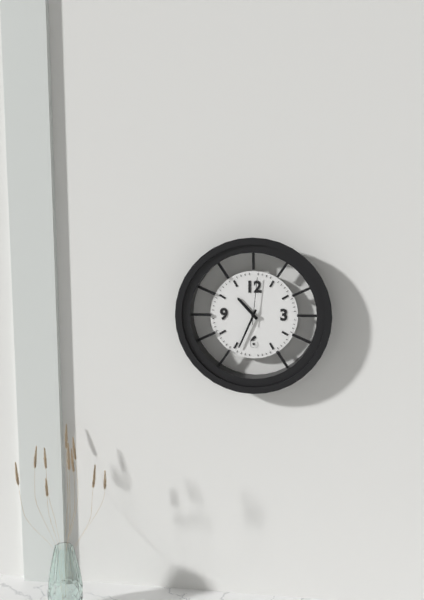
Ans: 10:34
